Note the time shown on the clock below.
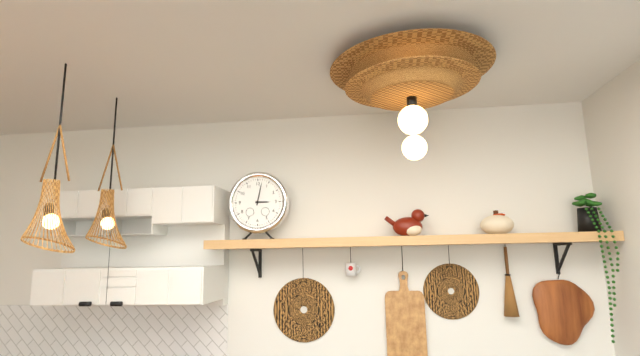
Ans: 3:02
